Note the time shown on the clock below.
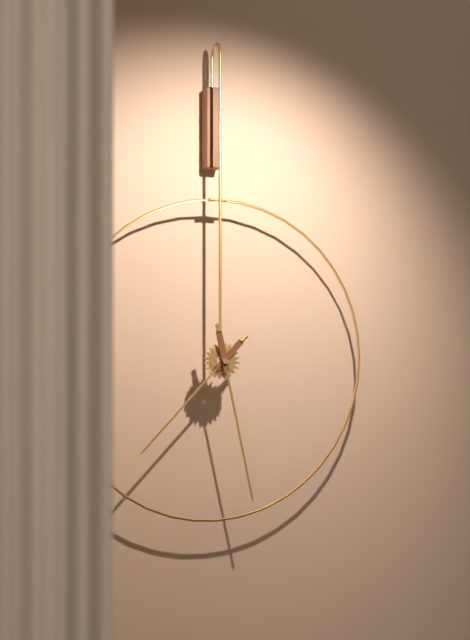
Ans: 7:28
